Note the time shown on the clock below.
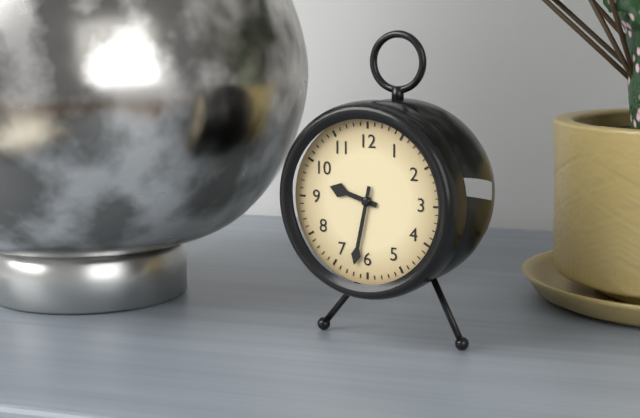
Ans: 9:32
